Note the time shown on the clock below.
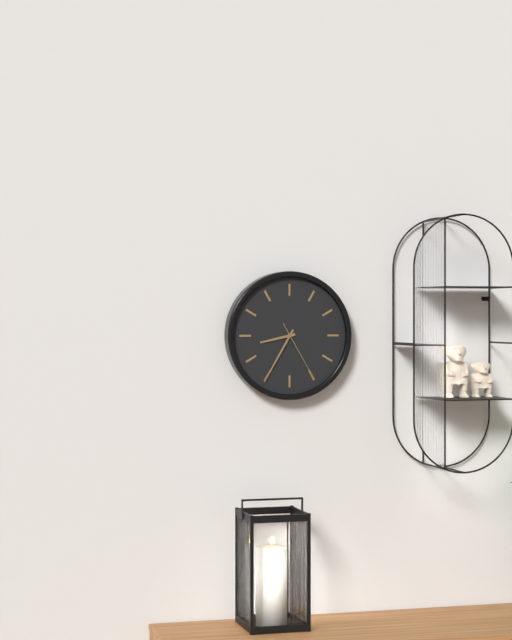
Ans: 8:35:25
